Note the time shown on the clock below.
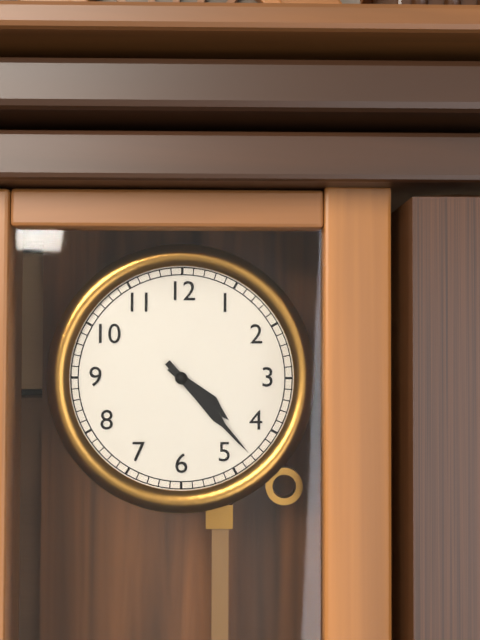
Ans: 4:23
